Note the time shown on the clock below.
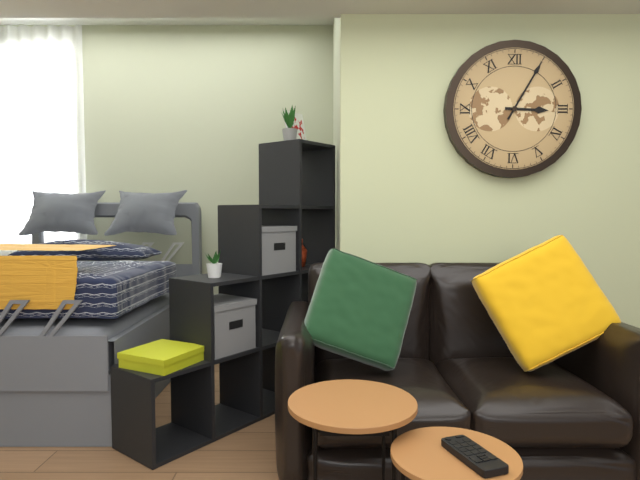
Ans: 3:05
